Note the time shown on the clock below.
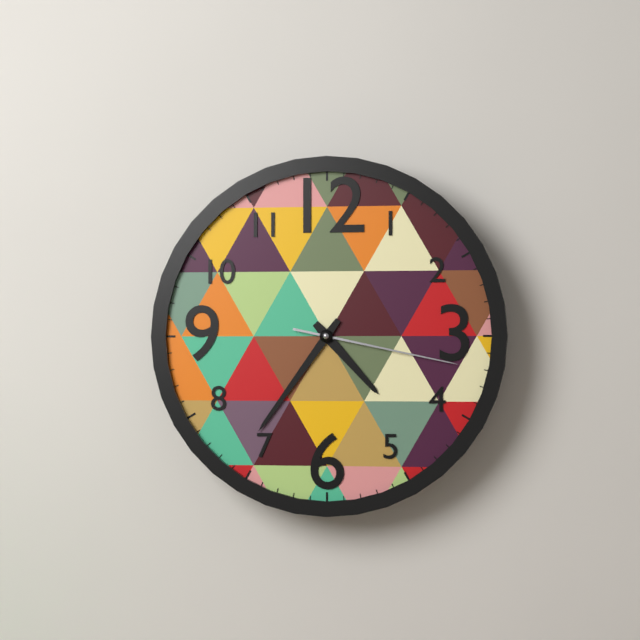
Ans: 4:36:17
